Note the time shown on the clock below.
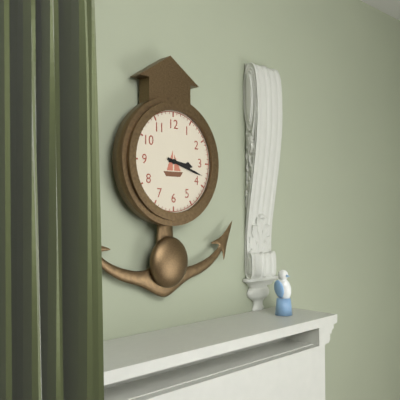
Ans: 3:18
